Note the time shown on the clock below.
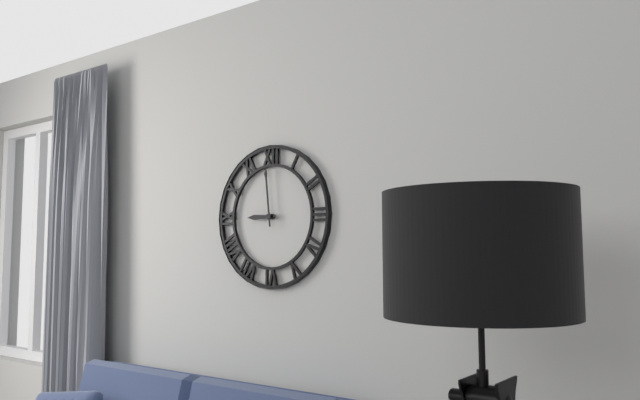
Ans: 8:59
